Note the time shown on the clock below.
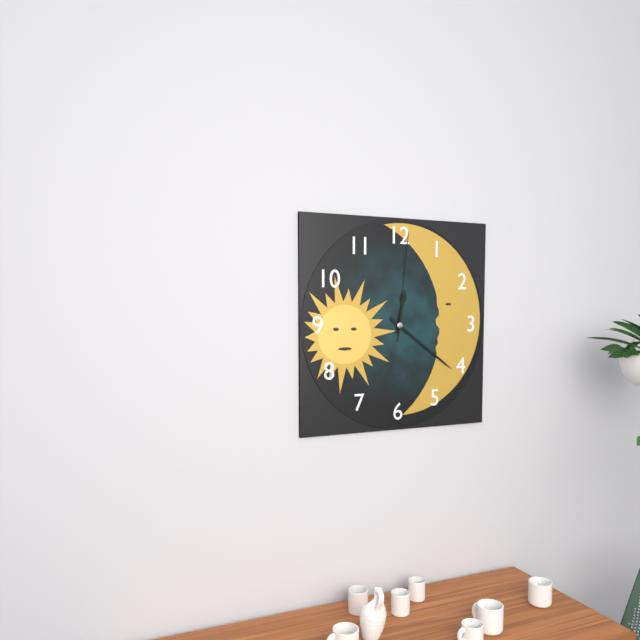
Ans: 12:21:01
